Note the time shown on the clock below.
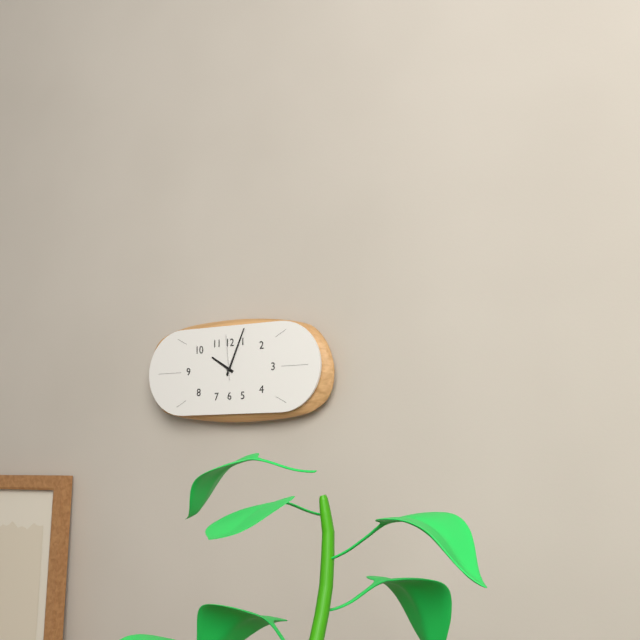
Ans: 10:04
